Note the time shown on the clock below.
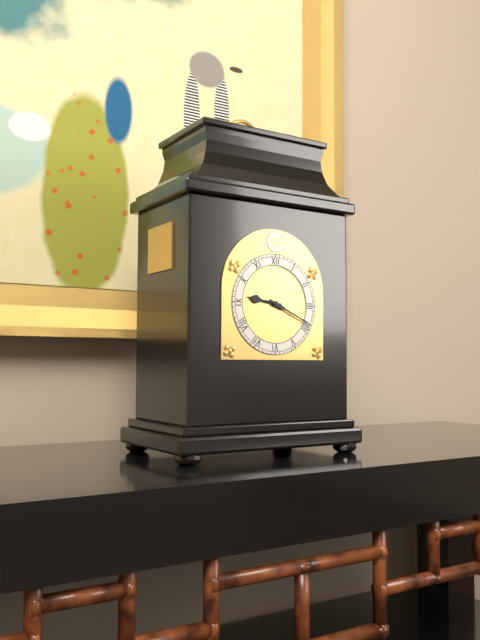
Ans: 9:19
